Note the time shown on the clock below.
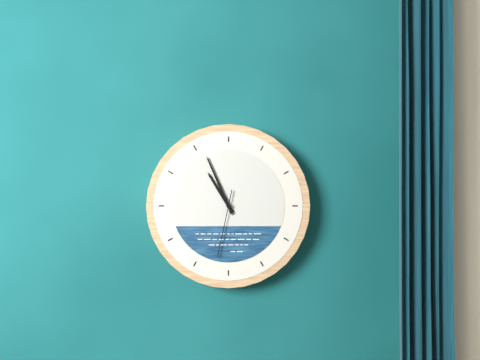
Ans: 10:56:32
